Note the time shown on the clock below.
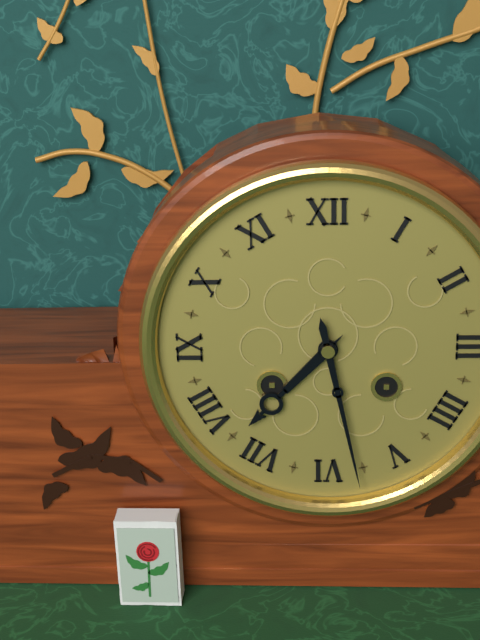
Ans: 7:28
